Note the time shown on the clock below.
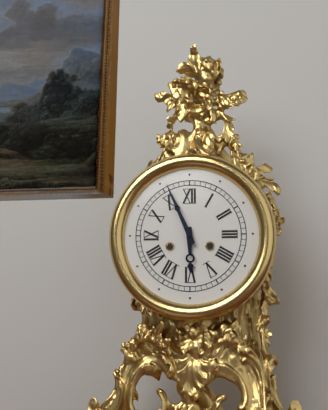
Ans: 5:56
